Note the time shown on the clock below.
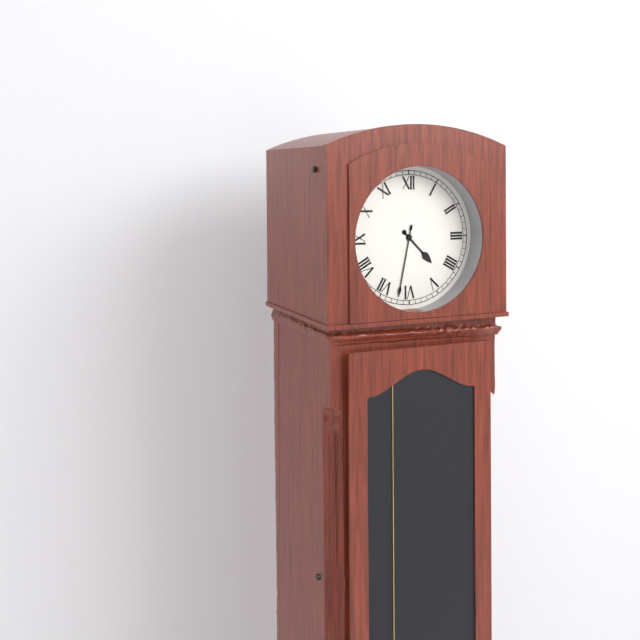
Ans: 4:32
